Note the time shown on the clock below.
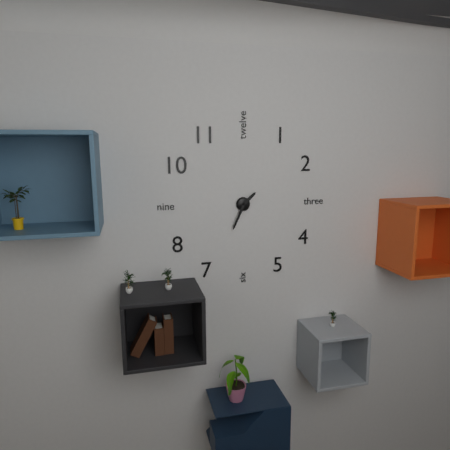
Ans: 1:34
